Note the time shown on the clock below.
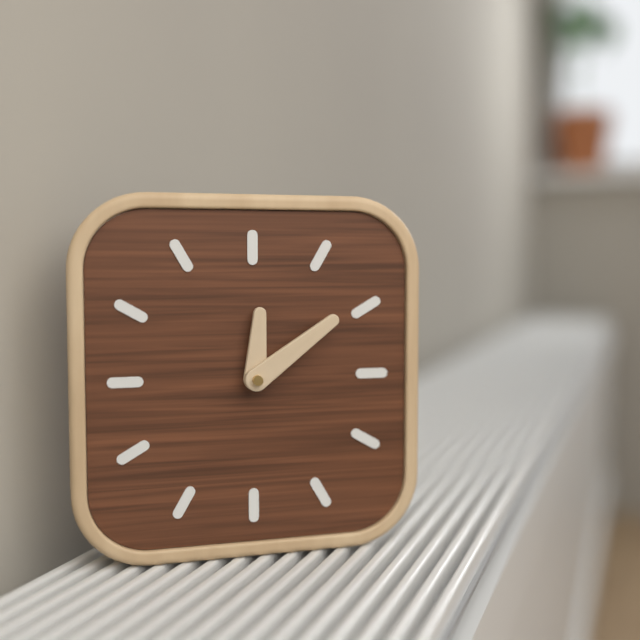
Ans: 12:09
